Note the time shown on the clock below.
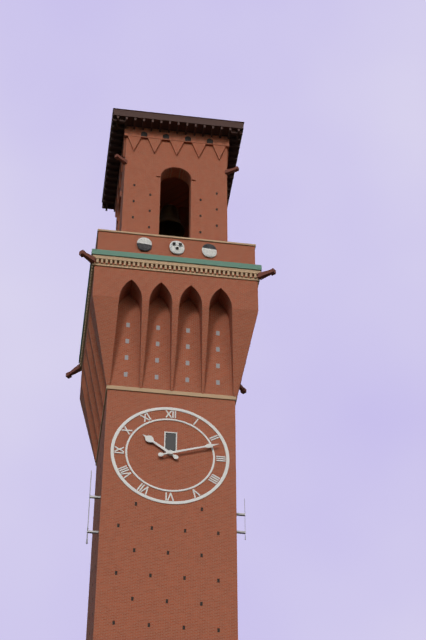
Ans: 10:12
